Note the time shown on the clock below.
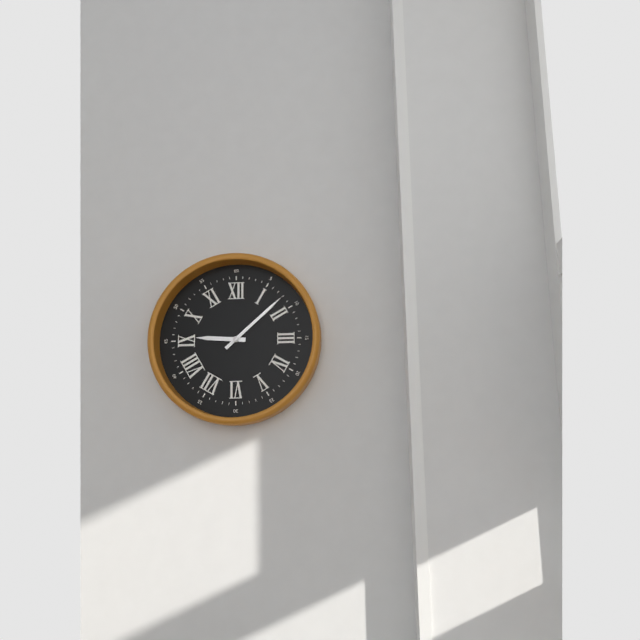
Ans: 9:08
